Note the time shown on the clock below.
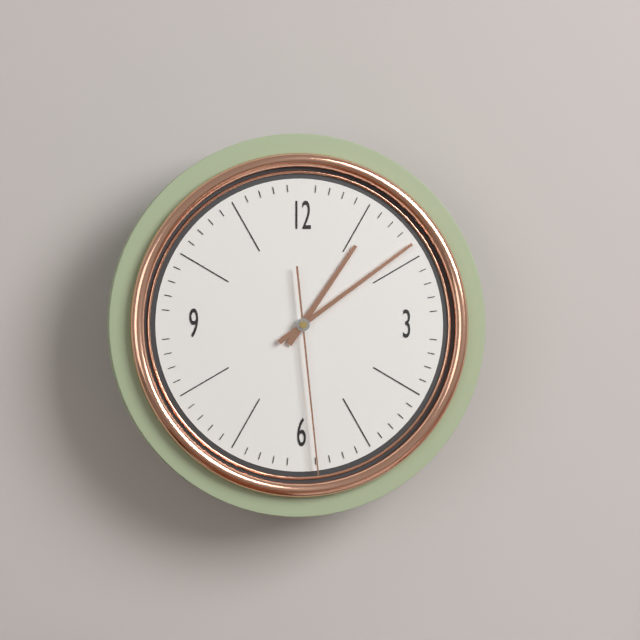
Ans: 1:09:29
